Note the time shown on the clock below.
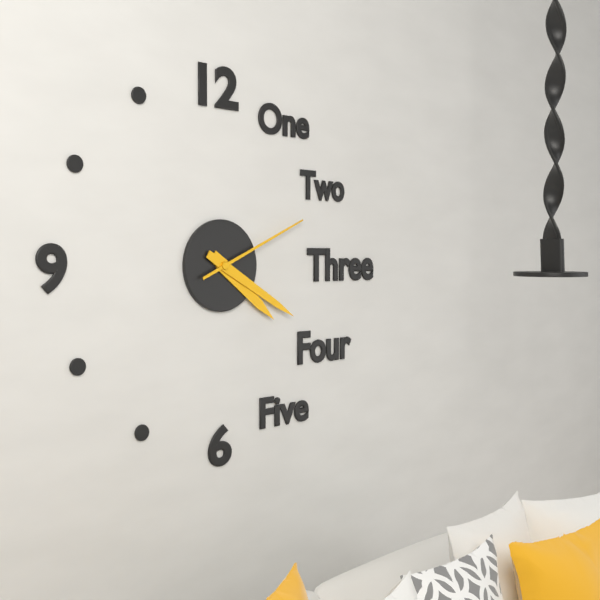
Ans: 4:20:11
